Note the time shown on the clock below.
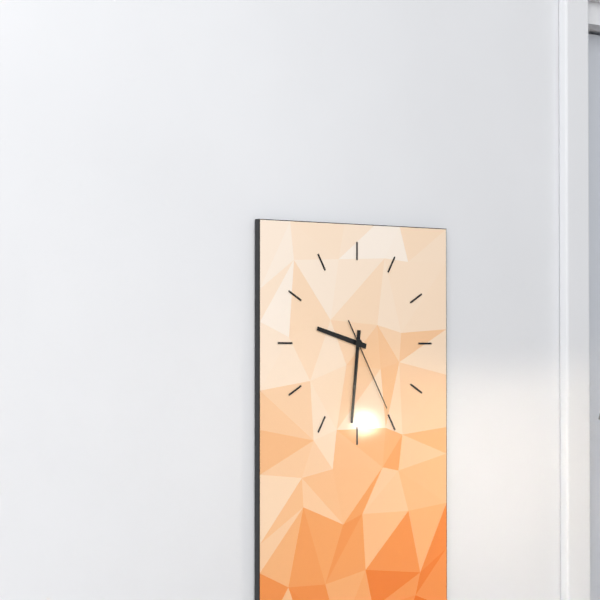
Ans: 9:31:25
